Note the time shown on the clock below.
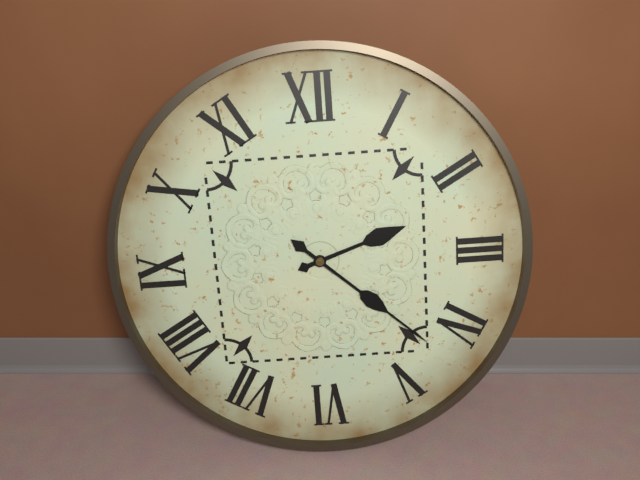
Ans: 2:22
